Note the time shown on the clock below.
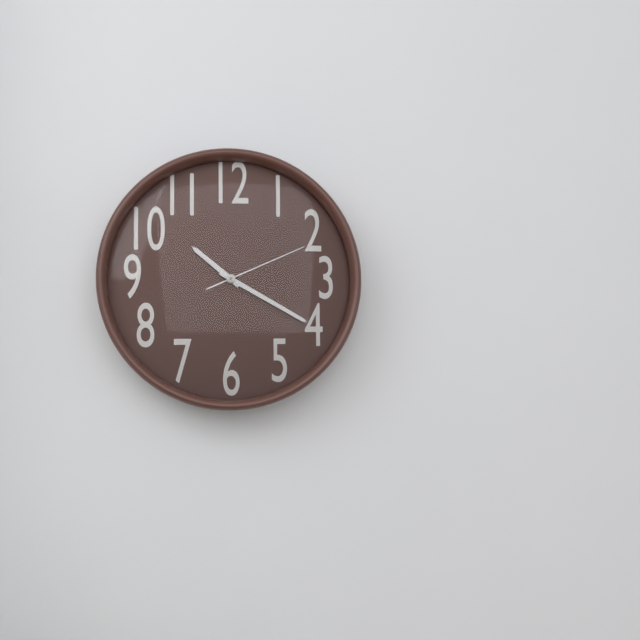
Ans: 10:20:11
